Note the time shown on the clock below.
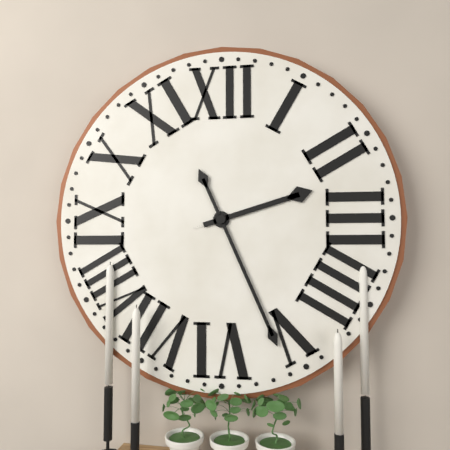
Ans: 2:26
